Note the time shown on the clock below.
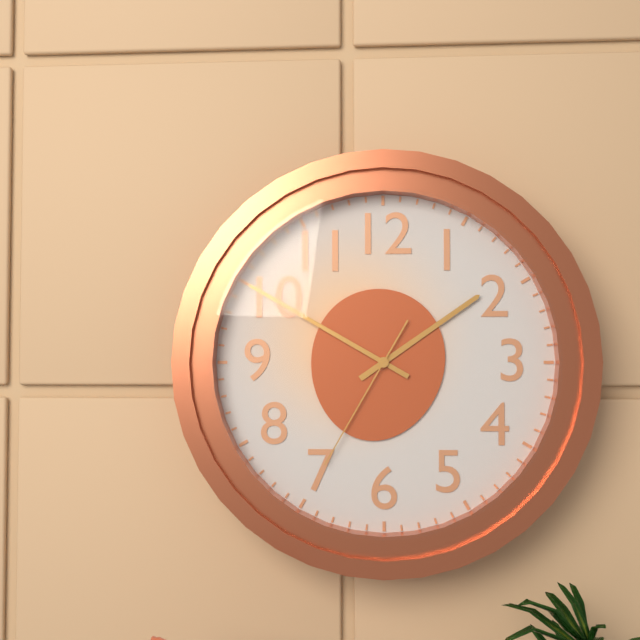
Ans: 1:50:35
